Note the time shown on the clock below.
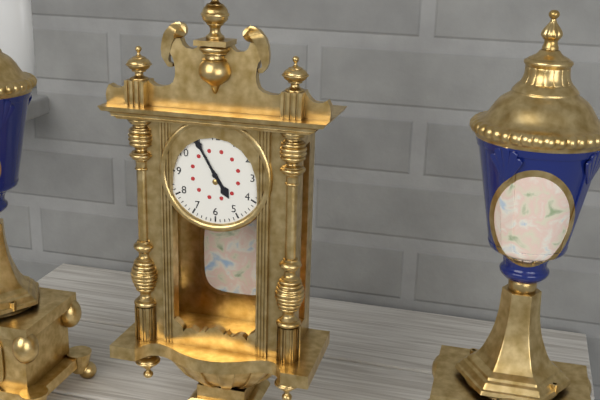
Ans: 4:55
